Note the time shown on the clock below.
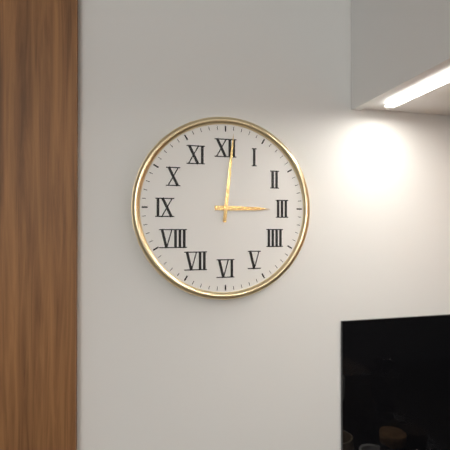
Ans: 3:01
